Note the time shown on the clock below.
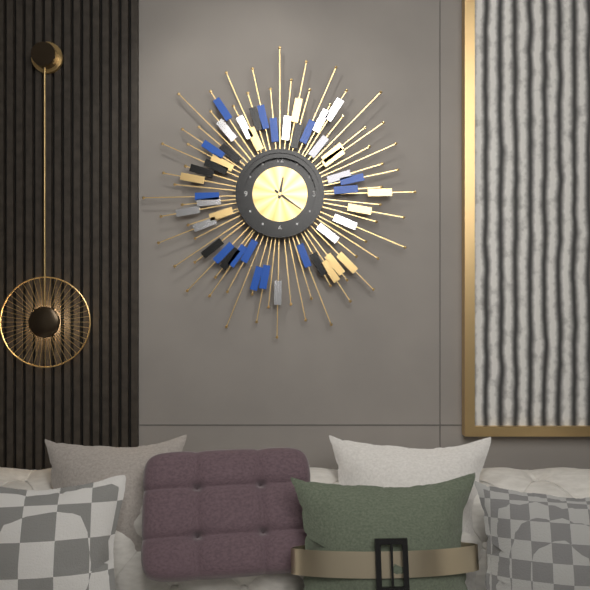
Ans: 12:21
